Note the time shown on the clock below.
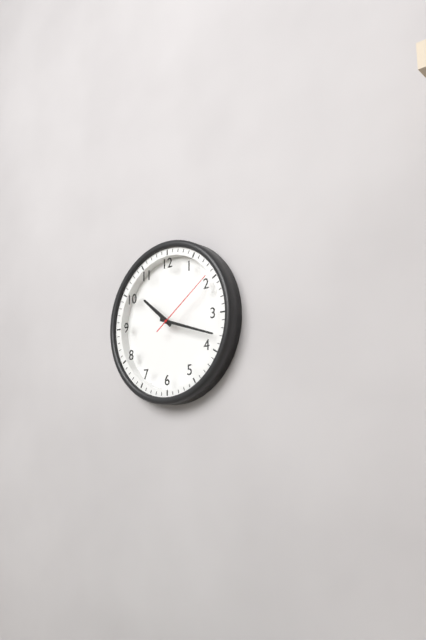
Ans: 10:18:09
